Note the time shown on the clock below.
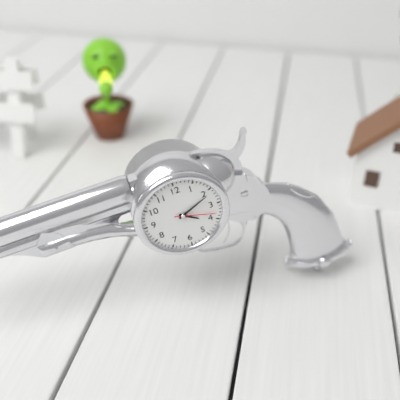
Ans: 4:11
